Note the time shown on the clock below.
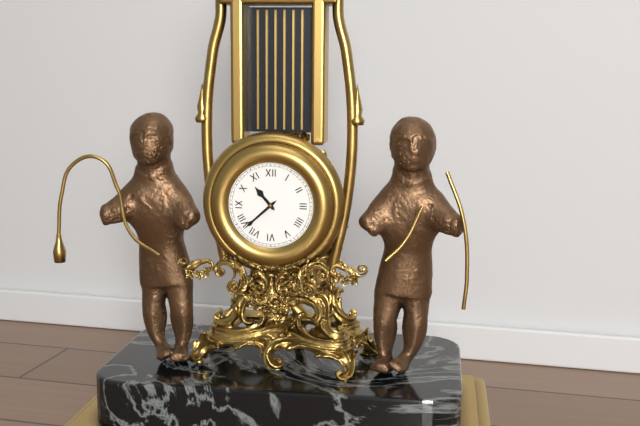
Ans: 10:38
